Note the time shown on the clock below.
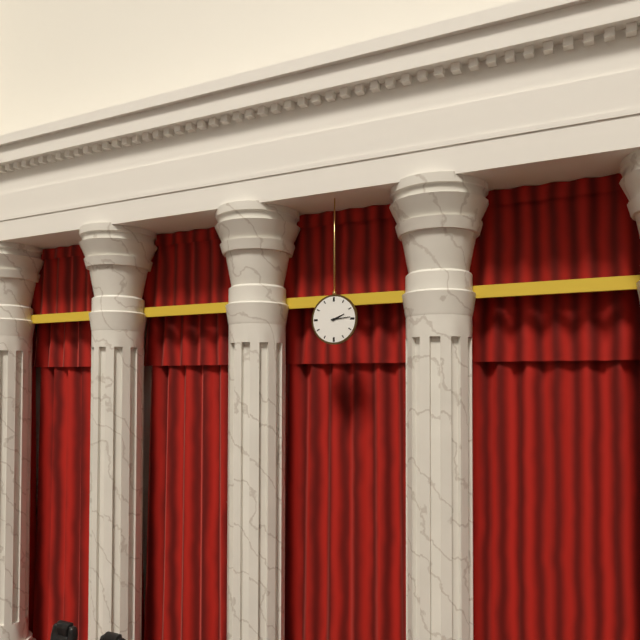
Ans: 2:14
